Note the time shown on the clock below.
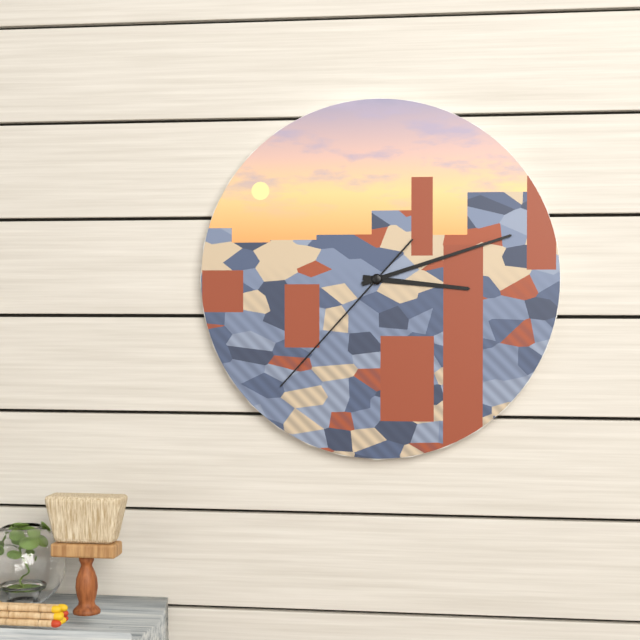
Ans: 3:12:37
